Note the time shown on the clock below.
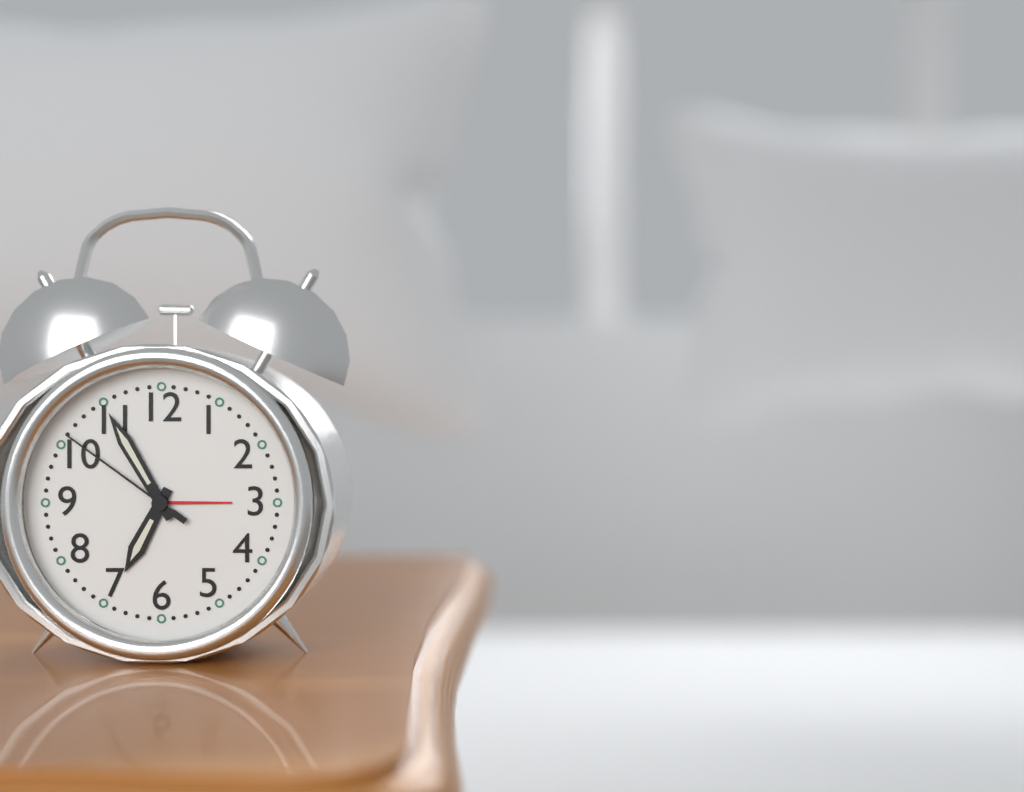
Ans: 6:55:51
